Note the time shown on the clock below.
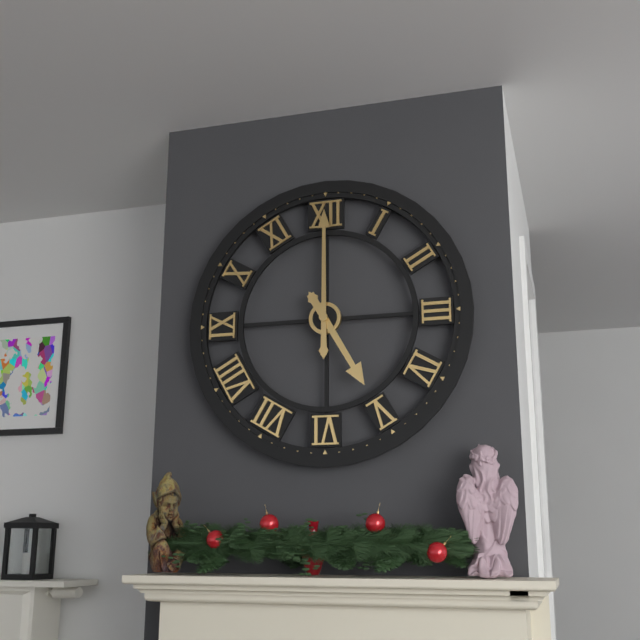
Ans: 5:00
